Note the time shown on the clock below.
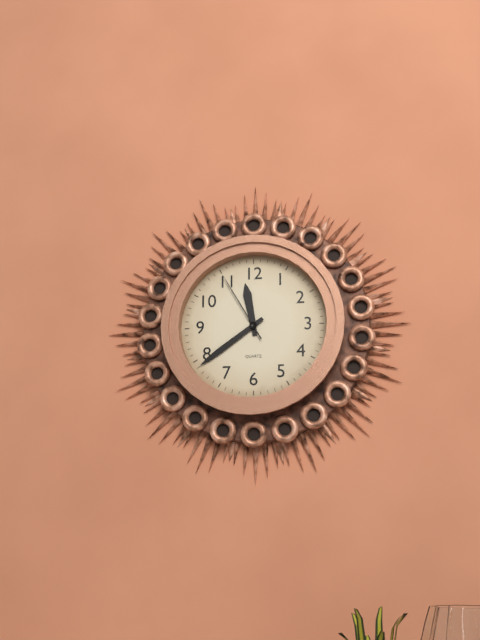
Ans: 11:39:55
